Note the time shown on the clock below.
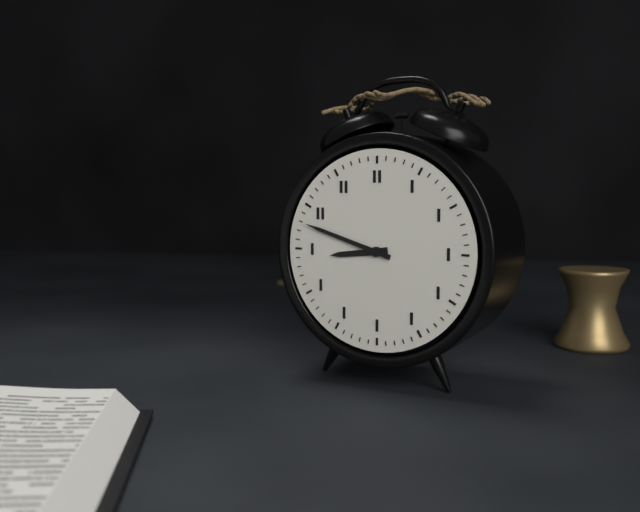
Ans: 8:48
